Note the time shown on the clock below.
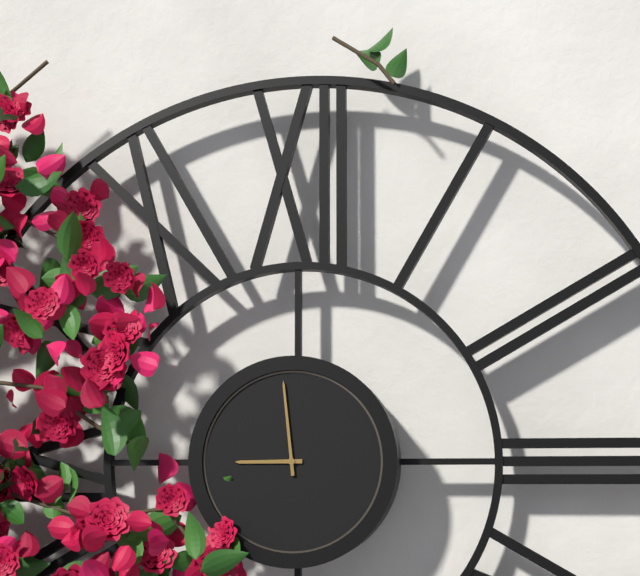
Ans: 8:59
